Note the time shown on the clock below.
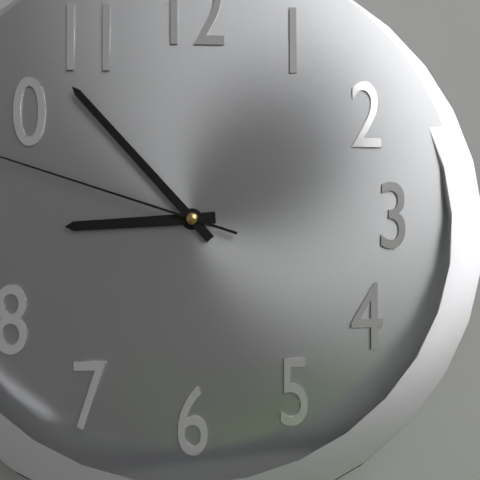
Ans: 8:53
